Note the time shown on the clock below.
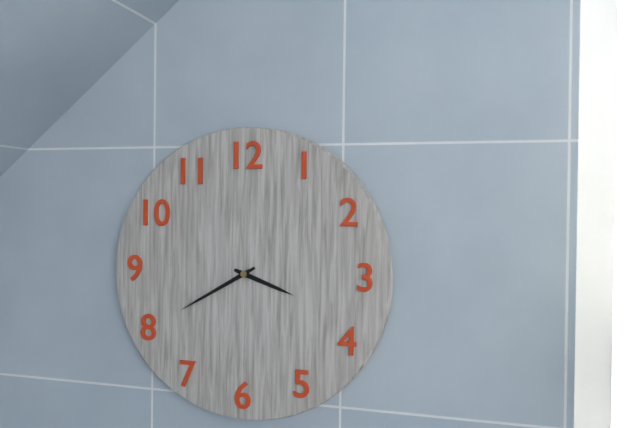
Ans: 3:40
